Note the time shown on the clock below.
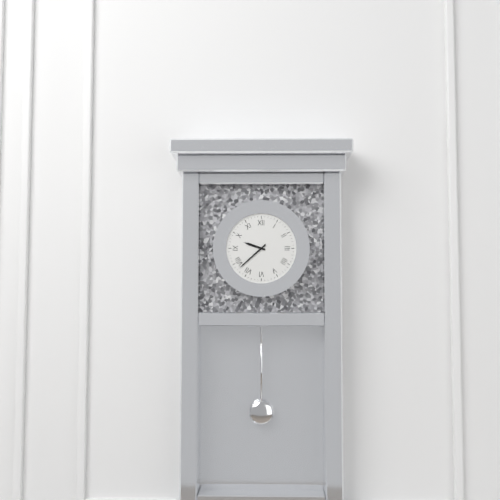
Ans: 9:38
